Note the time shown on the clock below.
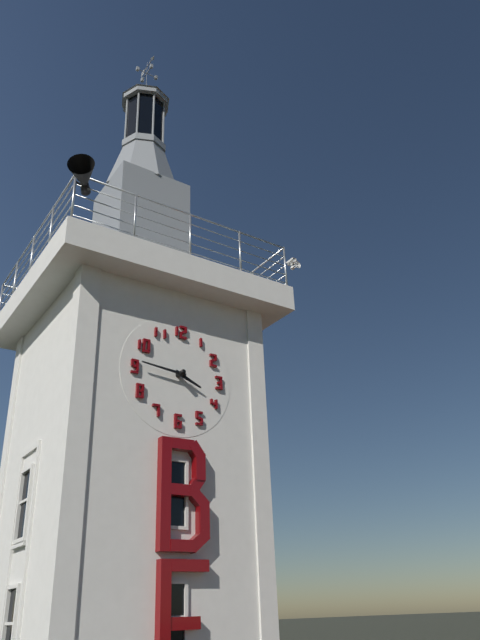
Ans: 3:46
